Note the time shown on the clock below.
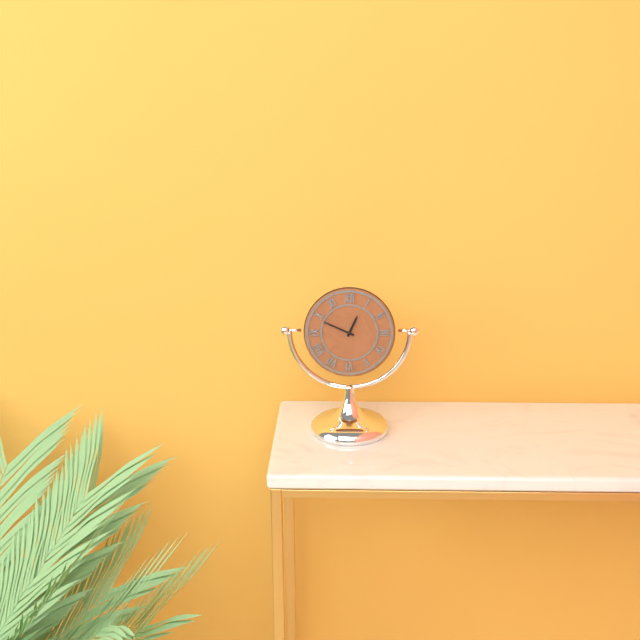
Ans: 12:49
